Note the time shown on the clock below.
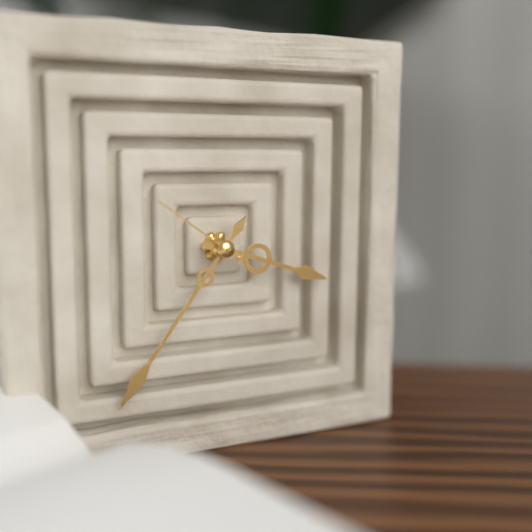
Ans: 3:36:51
